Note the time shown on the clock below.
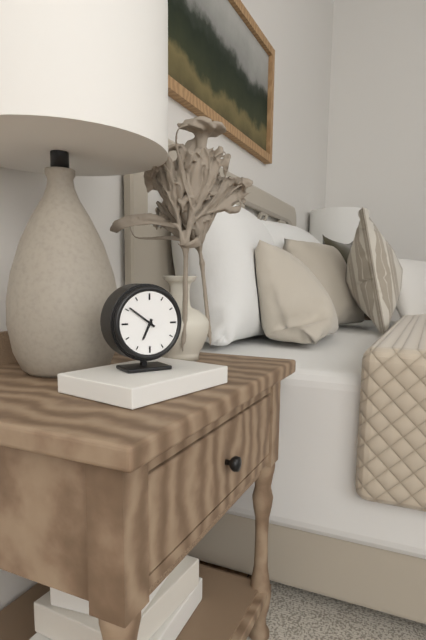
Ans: 6:51
